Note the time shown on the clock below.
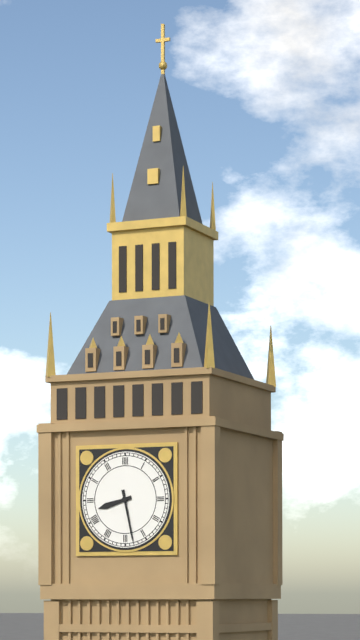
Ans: 8:28
